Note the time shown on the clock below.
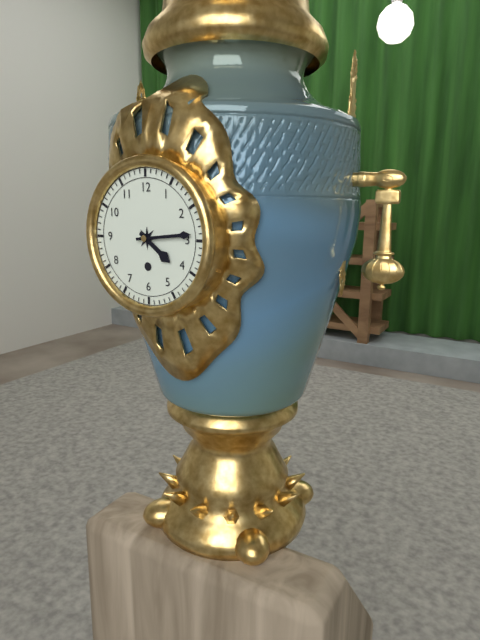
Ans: 4:14
